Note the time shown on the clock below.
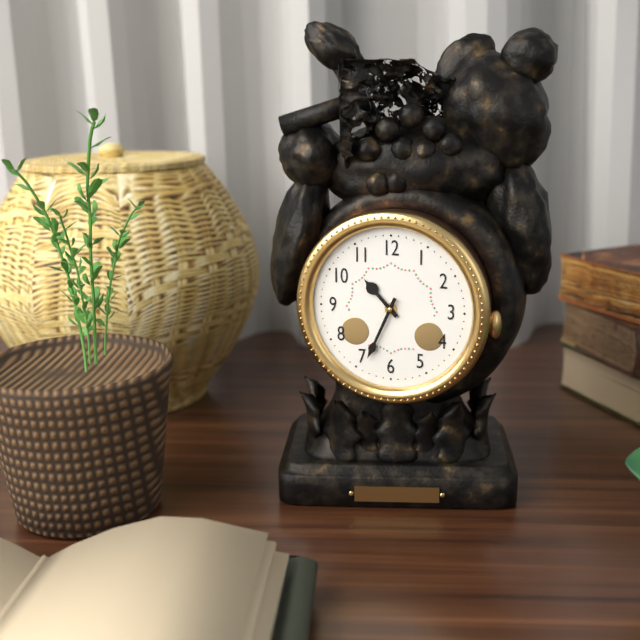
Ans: 10:34
